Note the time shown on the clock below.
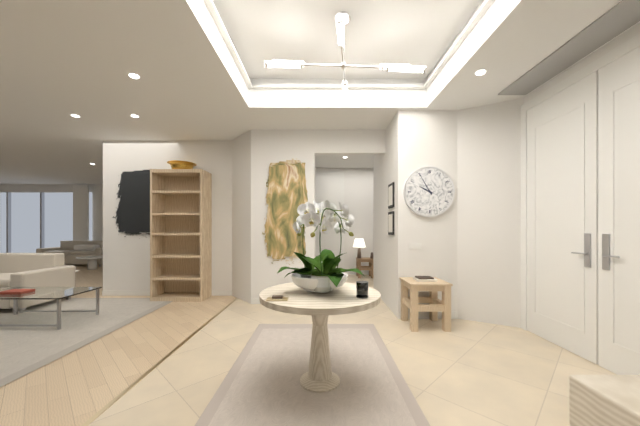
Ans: 9:55
